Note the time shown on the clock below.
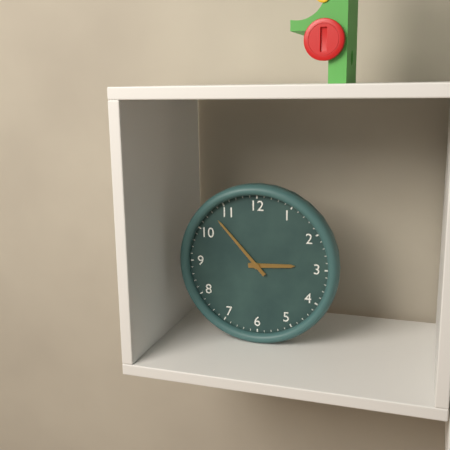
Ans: 2:53
